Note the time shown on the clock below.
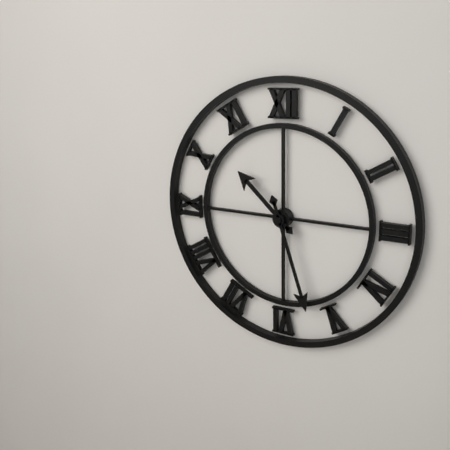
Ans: 10:27
